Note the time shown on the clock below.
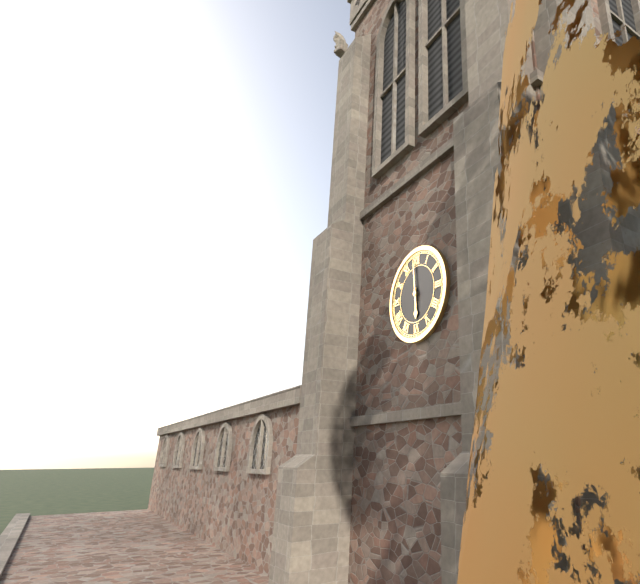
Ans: 5:59
